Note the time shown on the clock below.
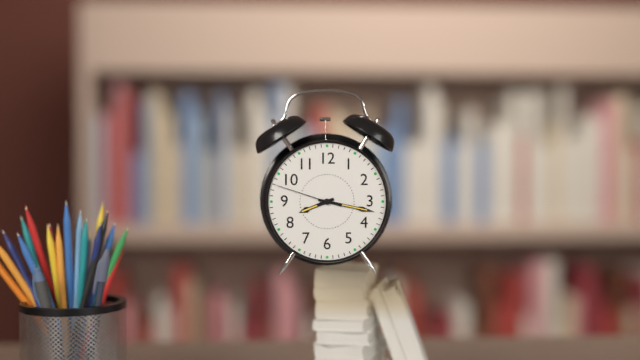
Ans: 8:17:48
